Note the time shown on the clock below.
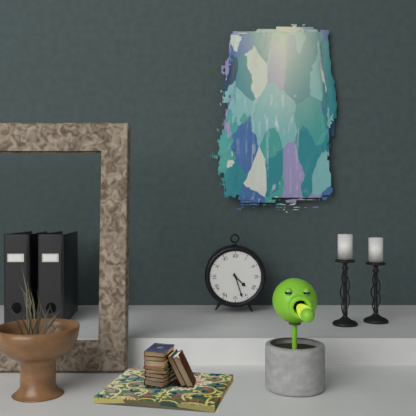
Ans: 4:27
